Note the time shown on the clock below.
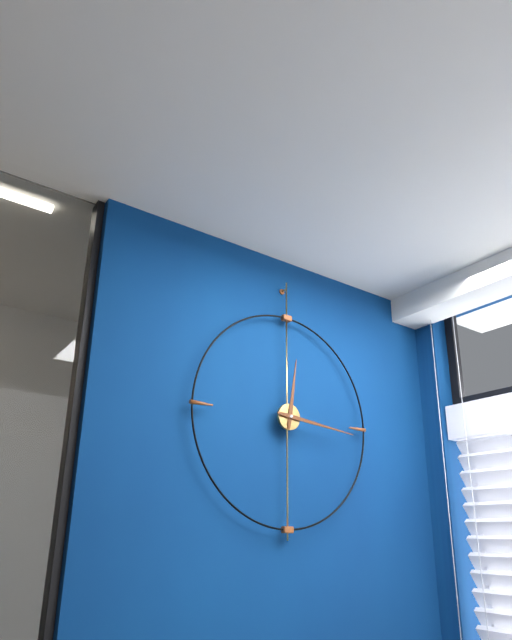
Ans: 12:16
